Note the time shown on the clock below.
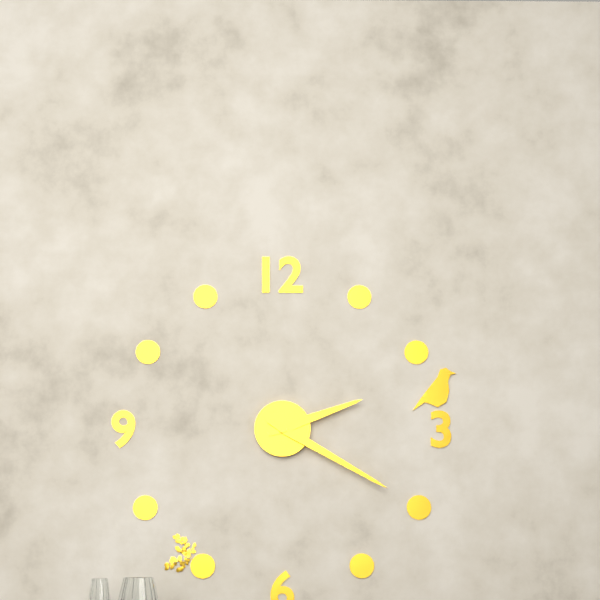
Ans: 2:20
